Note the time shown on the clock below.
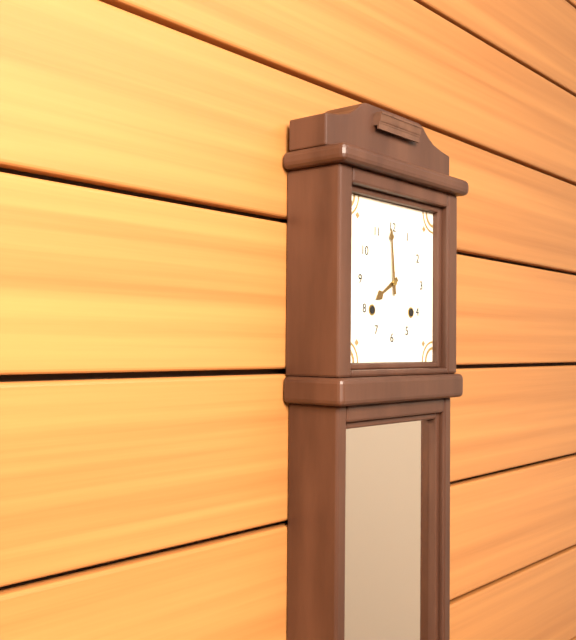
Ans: 7:59
